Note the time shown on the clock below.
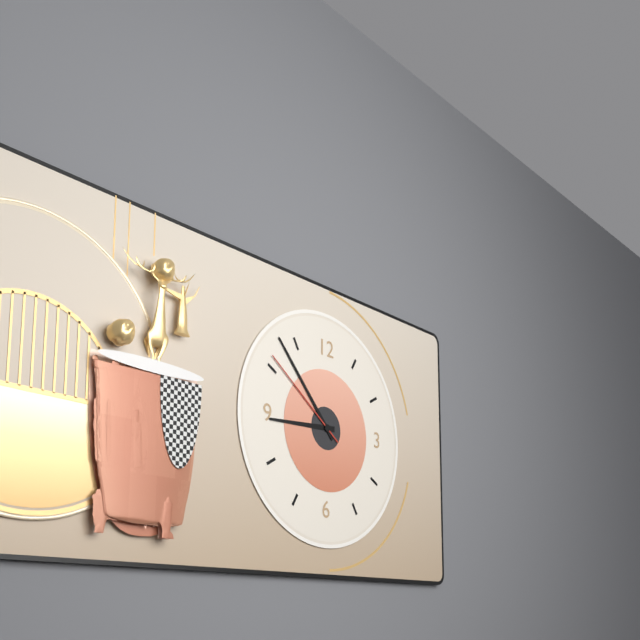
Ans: 8:53:51
